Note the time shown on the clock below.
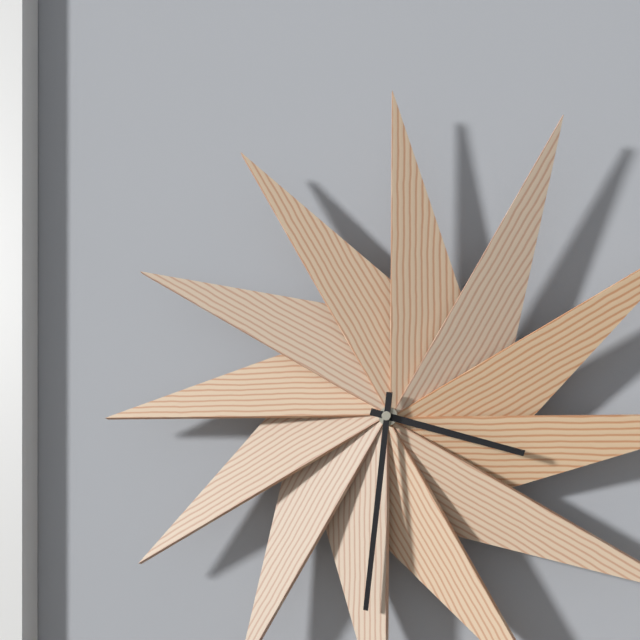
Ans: 3:31
